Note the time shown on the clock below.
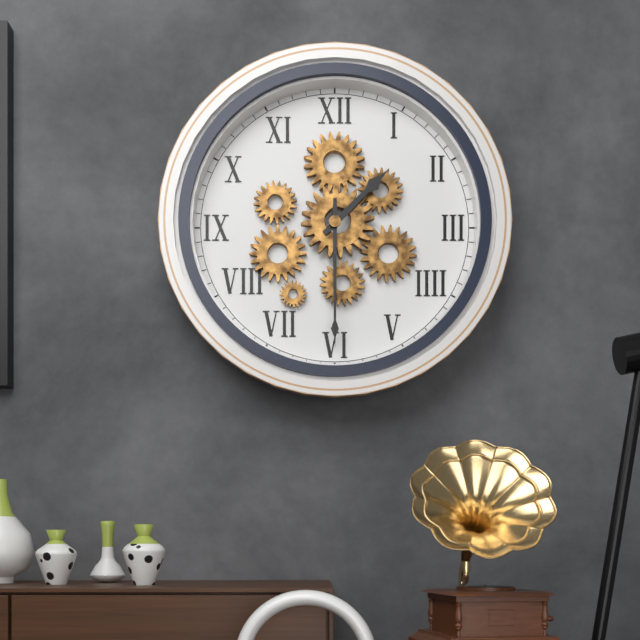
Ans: 1:30
